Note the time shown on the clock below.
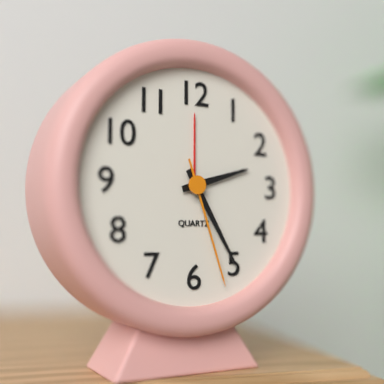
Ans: 2:25:27
